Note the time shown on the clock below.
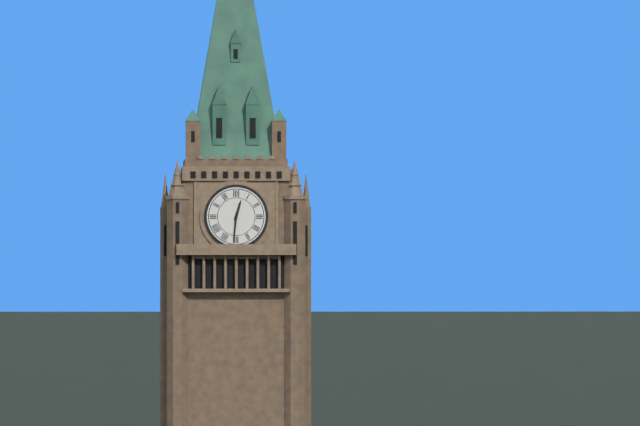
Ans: 12:31
